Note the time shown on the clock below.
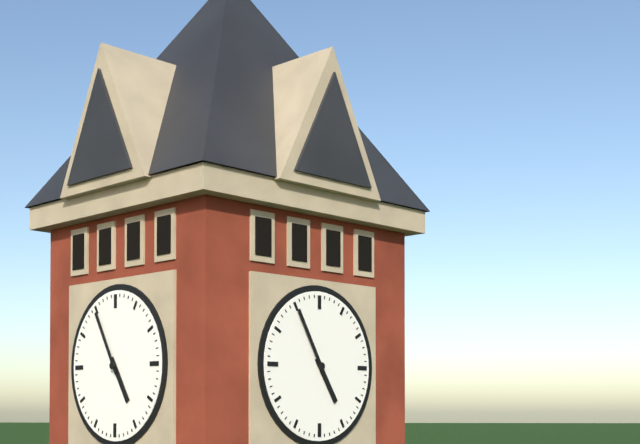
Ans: 4:55
